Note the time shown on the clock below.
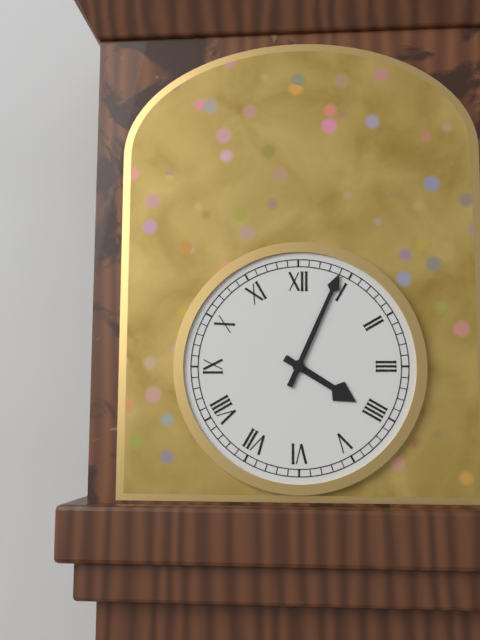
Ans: 4:04
